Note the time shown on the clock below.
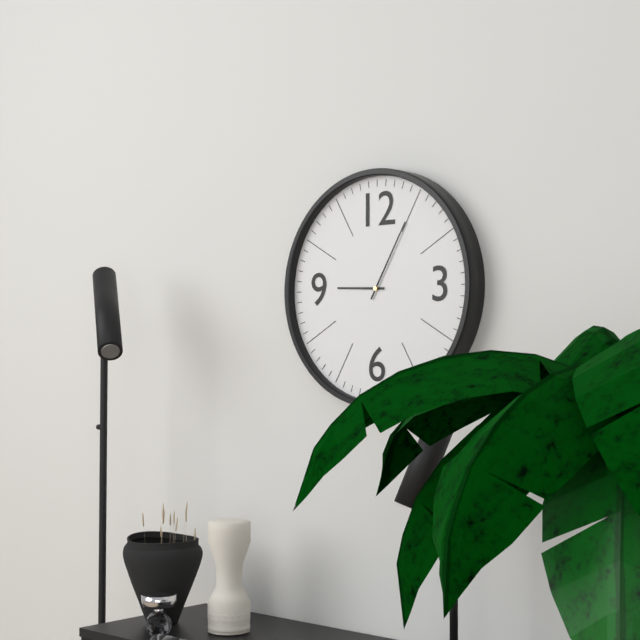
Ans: 9:05
